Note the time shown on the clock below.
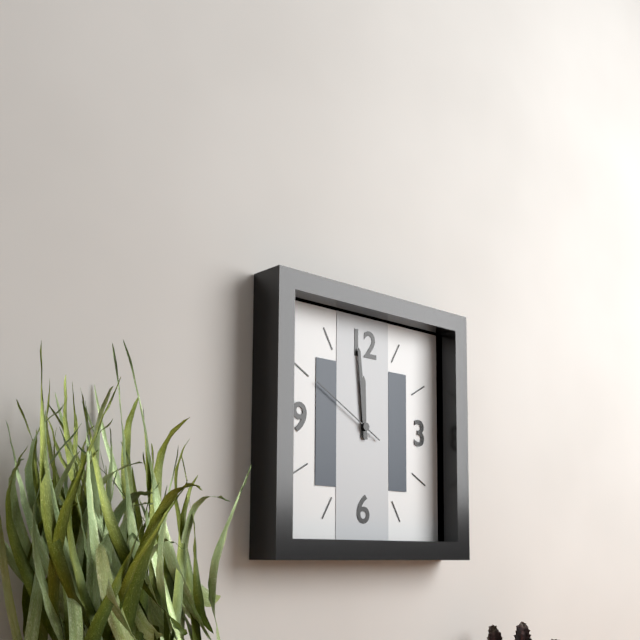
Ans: 11:59:50
